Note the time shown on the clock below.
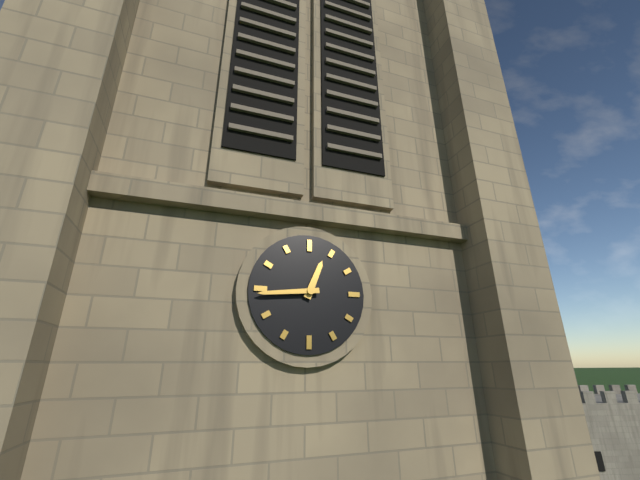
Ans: 12:44
